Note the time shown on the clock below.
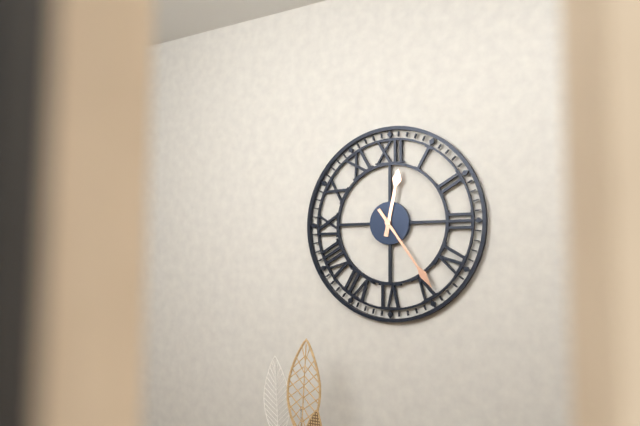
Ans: 12:24
